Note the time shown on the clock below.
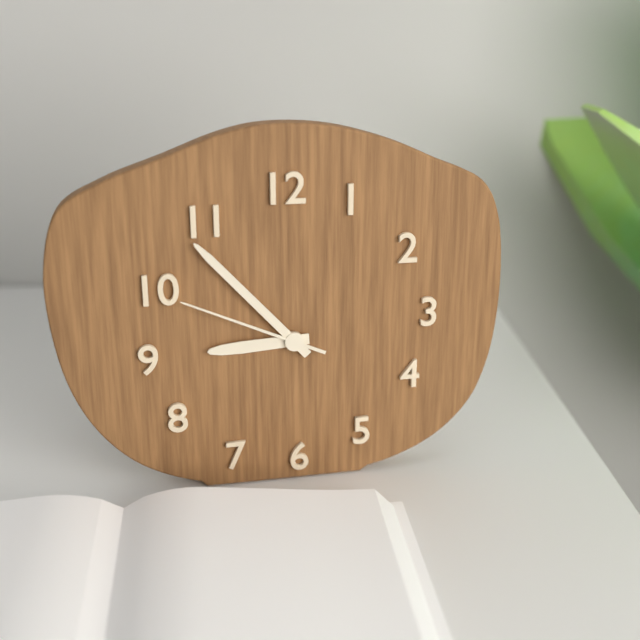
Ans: 8:53:49
